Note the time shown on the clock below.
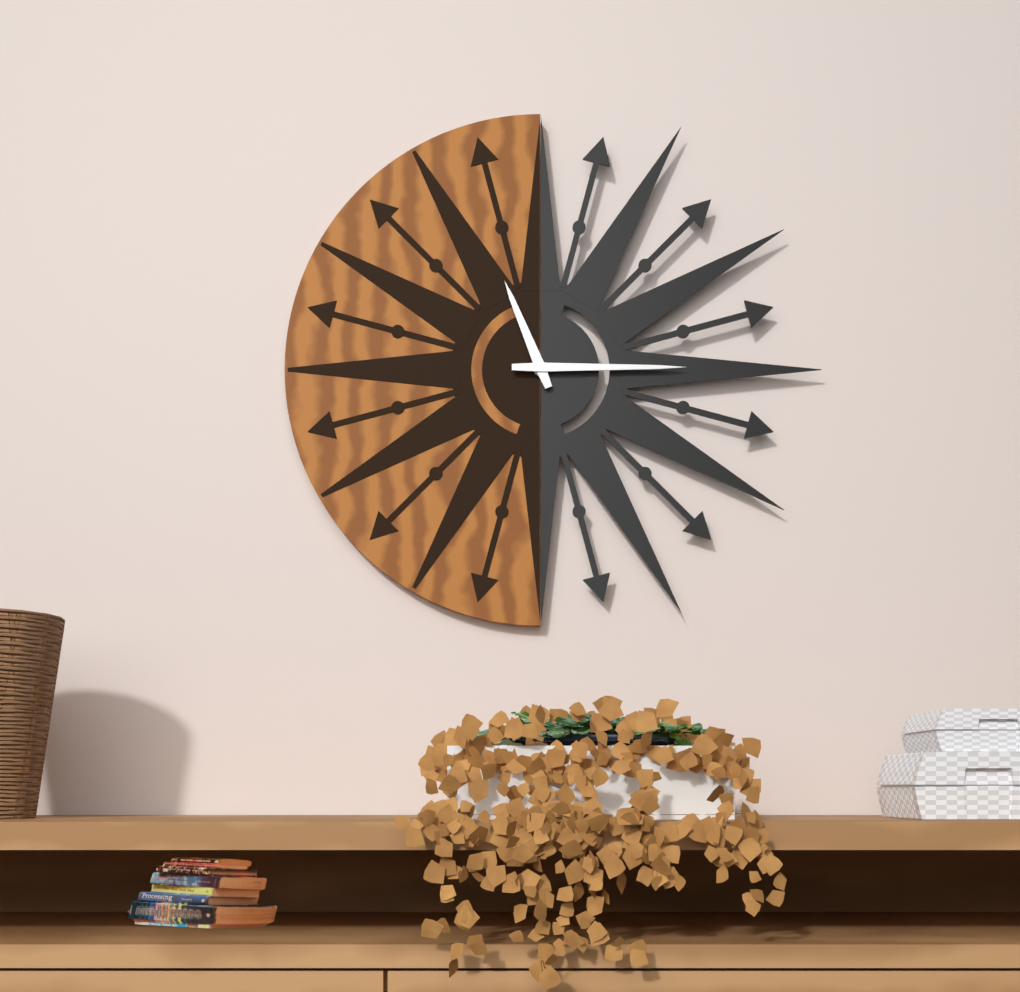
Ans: 11:15
